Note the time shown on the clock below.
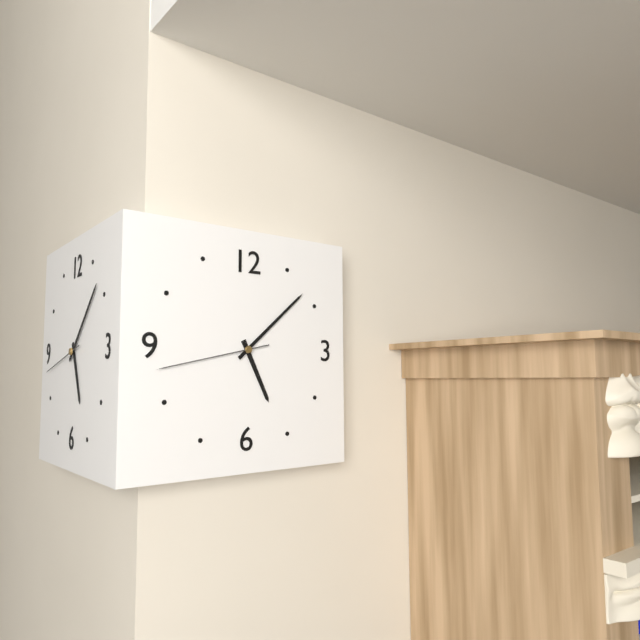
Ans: 5:08:43
